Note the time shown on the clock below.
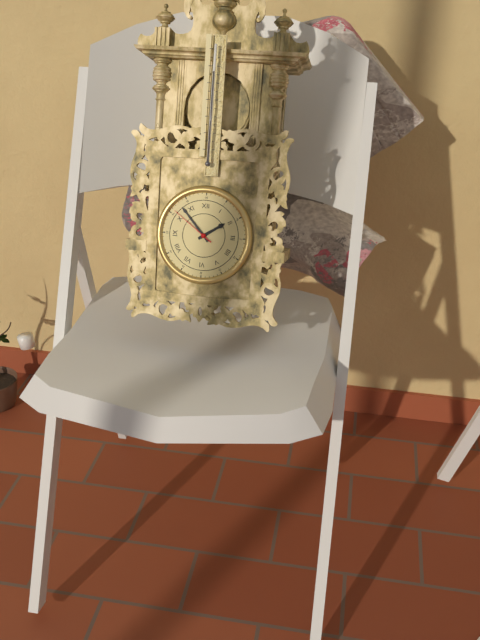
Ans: 1:53
